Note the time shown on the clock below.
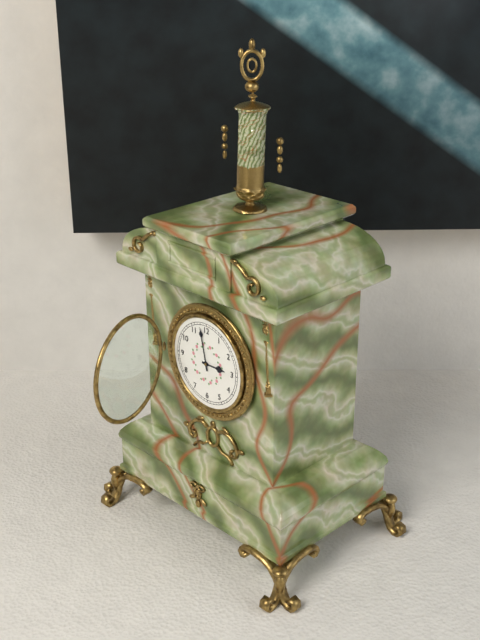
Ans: 2:58
